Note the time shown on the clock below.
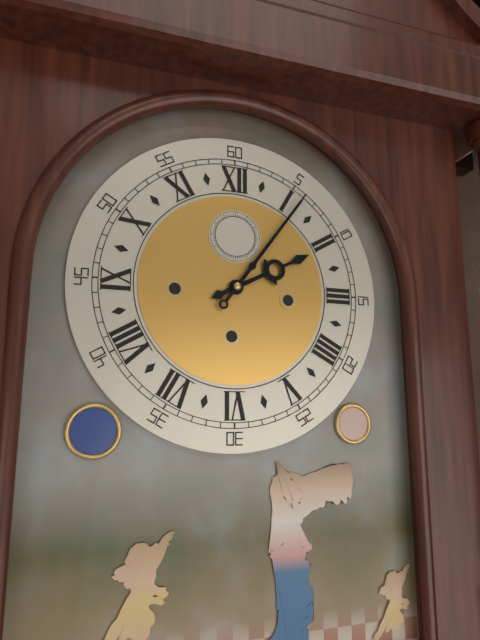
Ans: 2:06
